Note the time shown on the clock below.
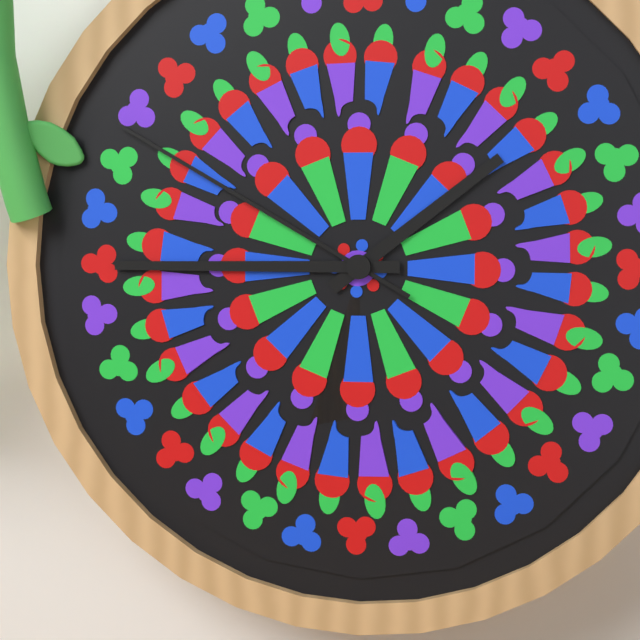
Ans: 1:45:50
